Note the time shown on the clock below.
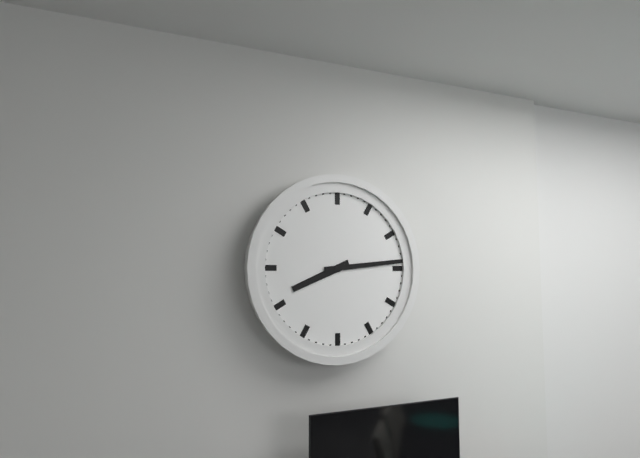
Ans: 8:14
